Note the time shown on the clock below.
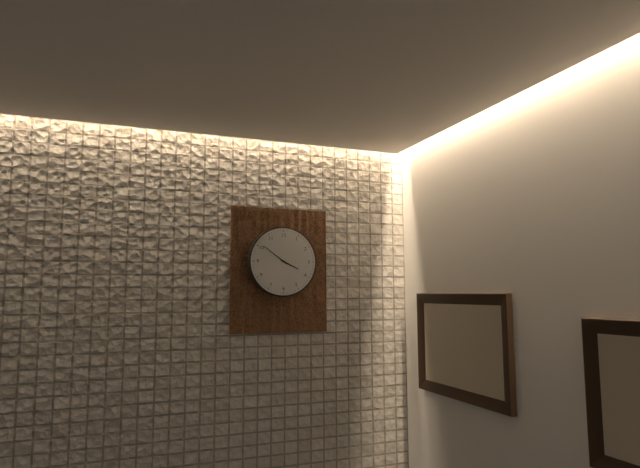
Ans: 3:51
